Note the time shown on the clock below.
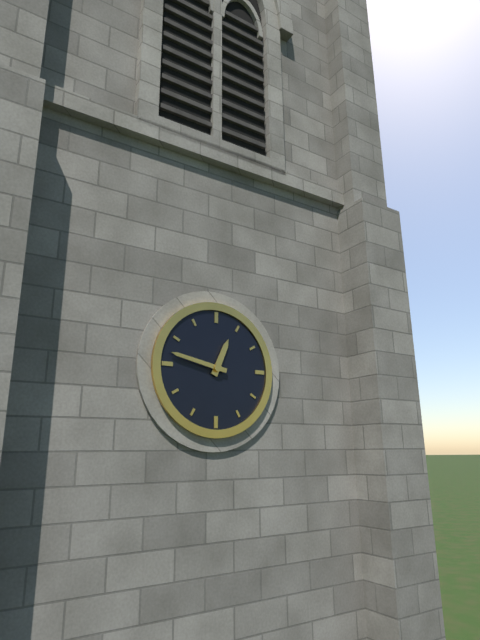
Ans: 12:47
